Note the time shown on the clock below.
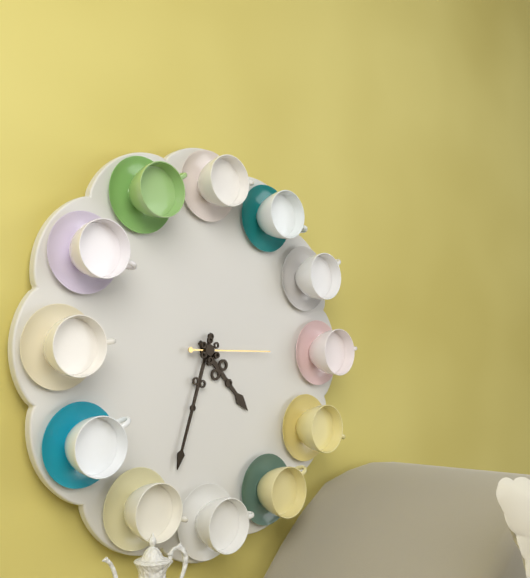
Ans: 4:33:15
